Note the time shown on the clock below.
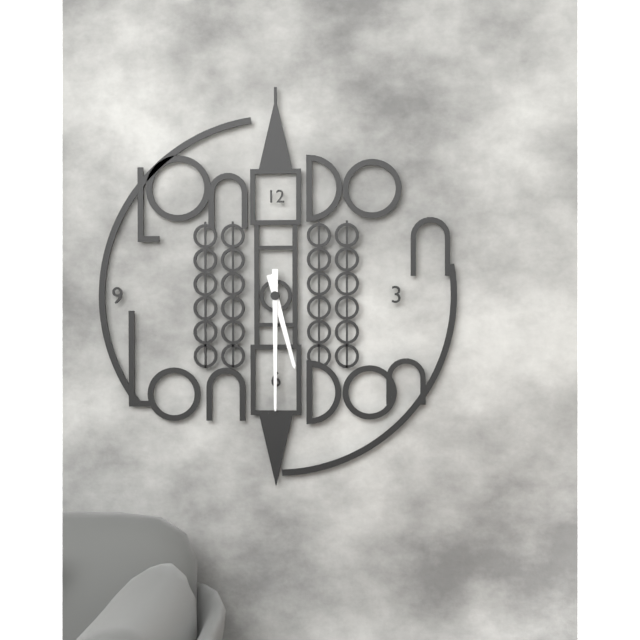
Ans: 5:30
